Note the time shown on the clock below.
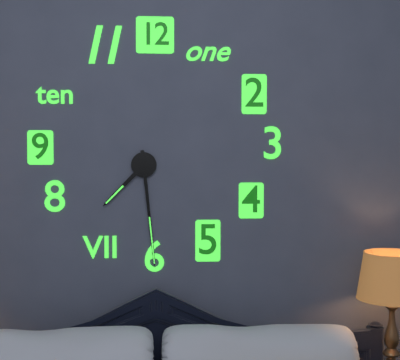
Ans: 7:29
